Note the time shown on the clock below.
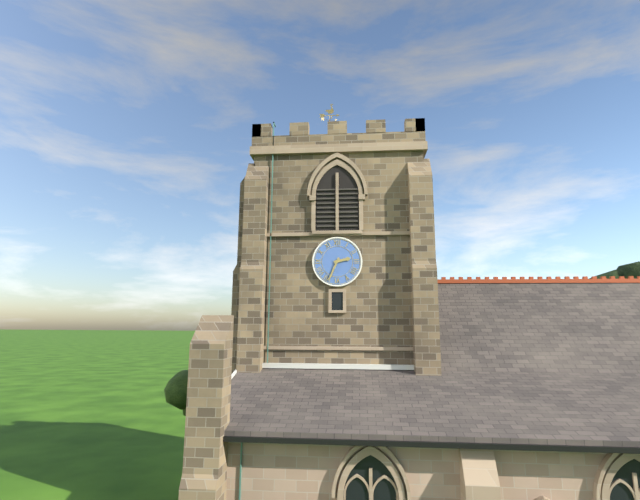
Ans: 2:34
